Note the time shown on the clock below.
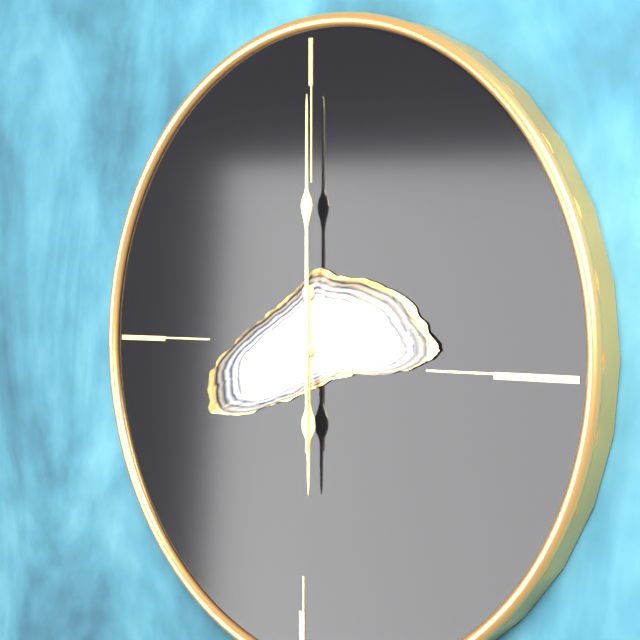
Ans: 6:00
